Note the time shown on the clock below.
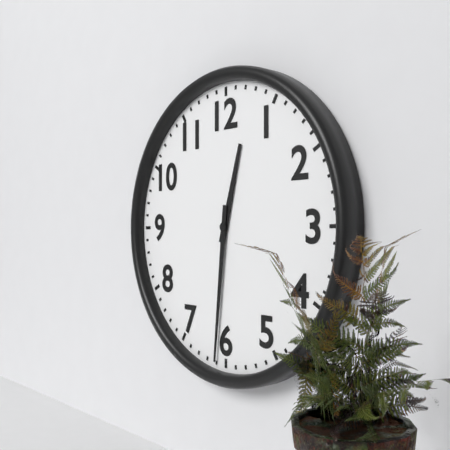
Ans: 12:31
